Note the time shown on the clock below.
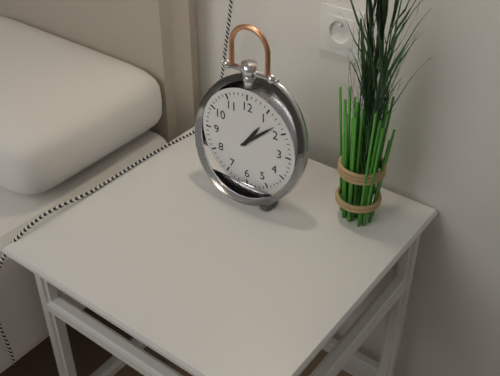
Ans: 1:08
